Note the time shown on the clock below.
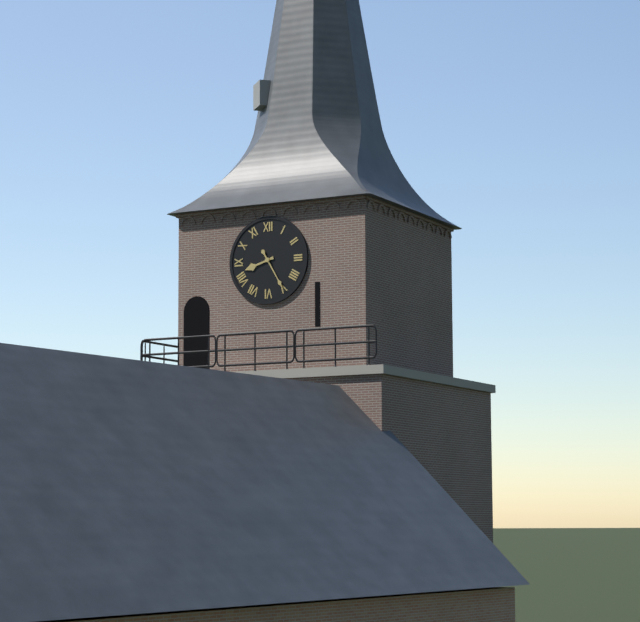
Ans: 8:25
